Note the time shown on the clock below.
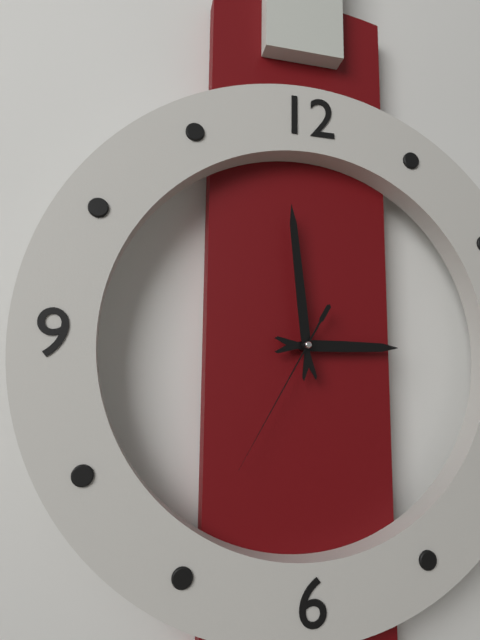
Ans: 2:59:35
